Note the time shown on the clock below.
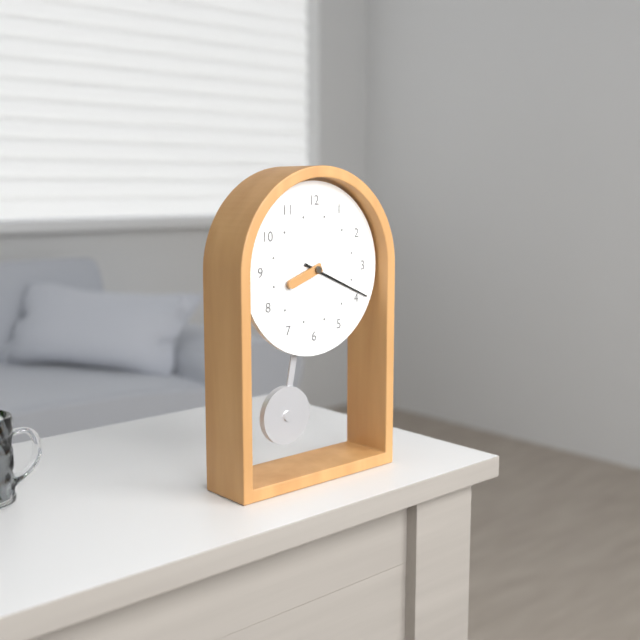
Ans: 8:19
